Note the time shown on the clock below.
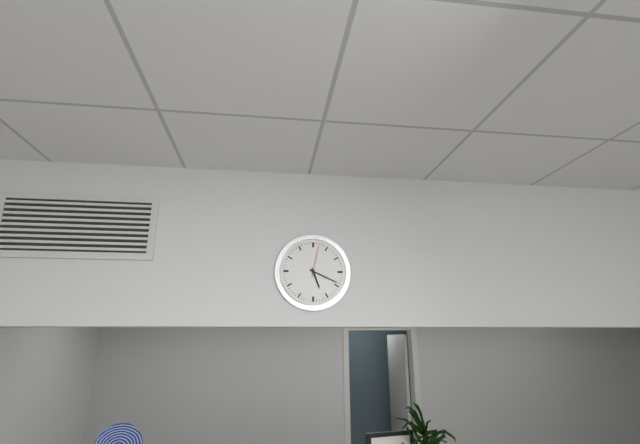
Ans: 5:19
